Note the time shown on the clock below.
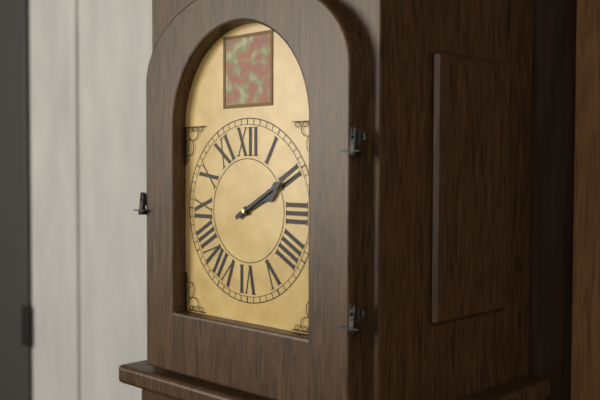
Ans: 2:10
